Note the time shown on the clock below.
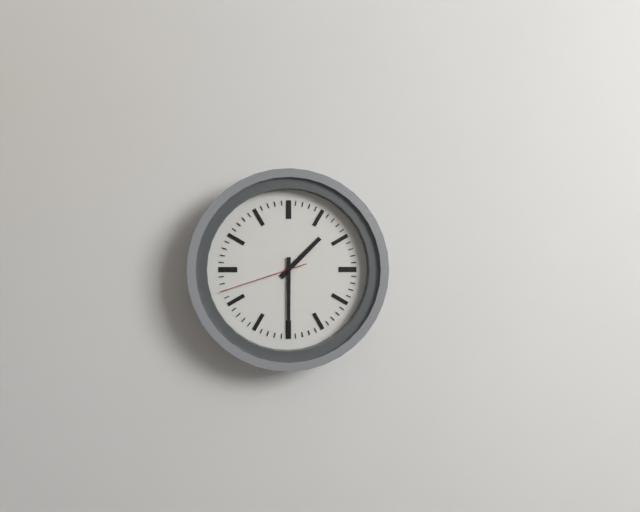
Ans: 1:30:42
